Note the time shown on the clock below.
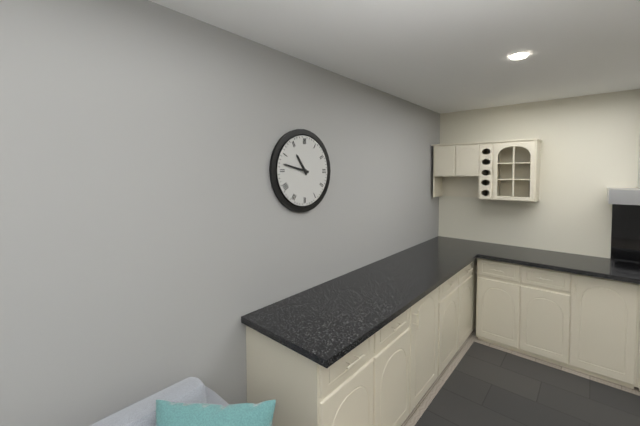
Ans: 10:47
